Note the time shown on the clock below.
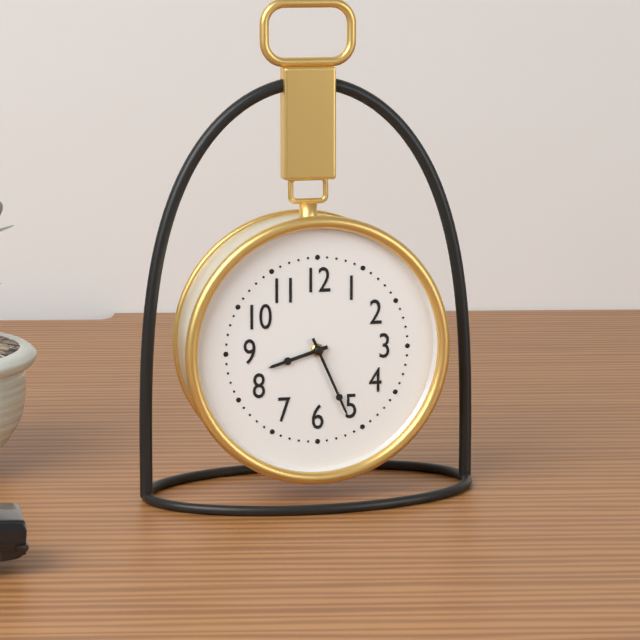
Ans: 8:26
